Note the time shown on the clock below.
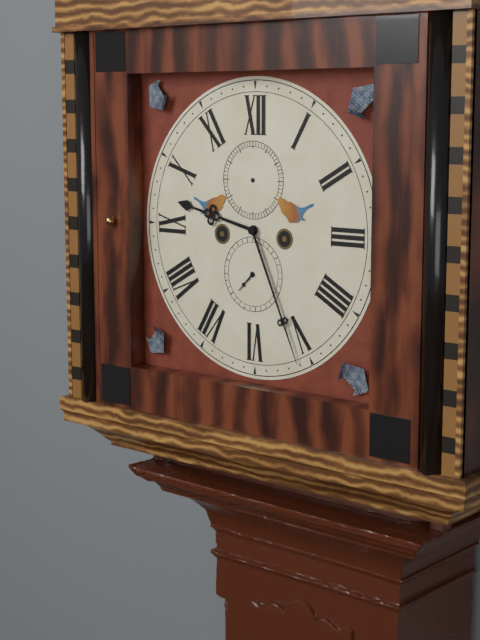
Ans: 9:26
